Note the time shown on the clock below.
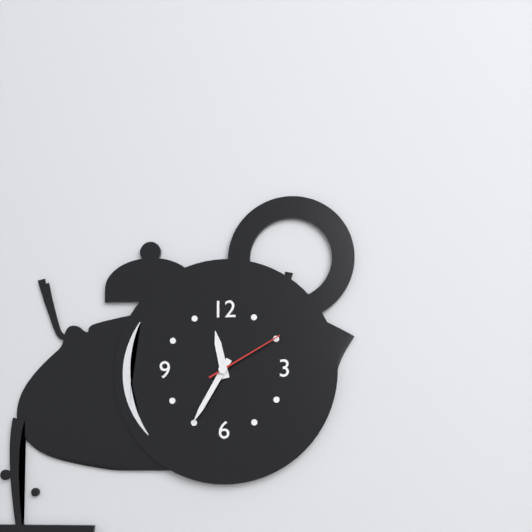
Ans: 11:35:10
